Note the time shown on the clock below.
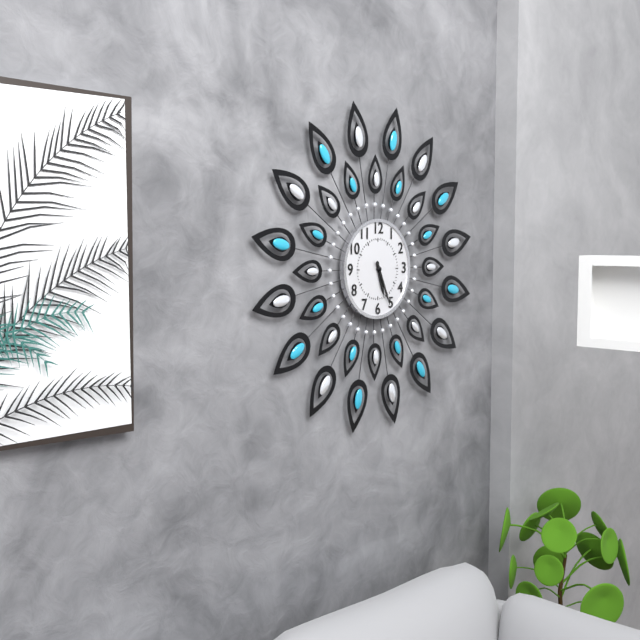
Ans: 5:26
